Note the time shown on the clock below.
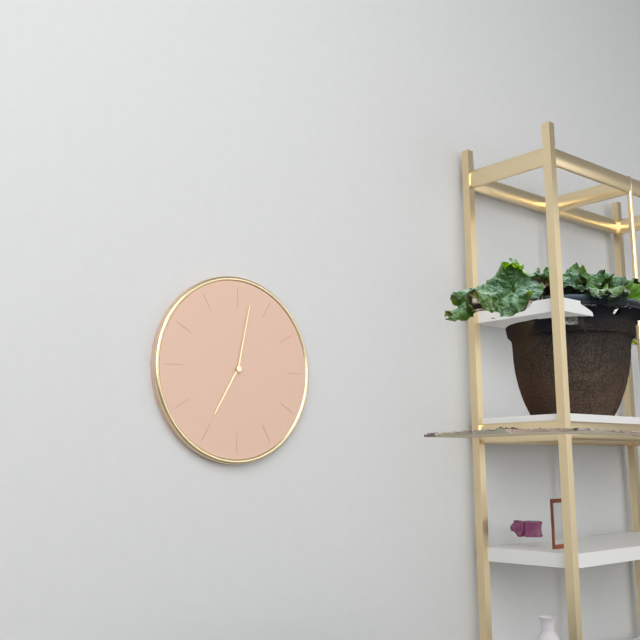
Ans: 7:02
